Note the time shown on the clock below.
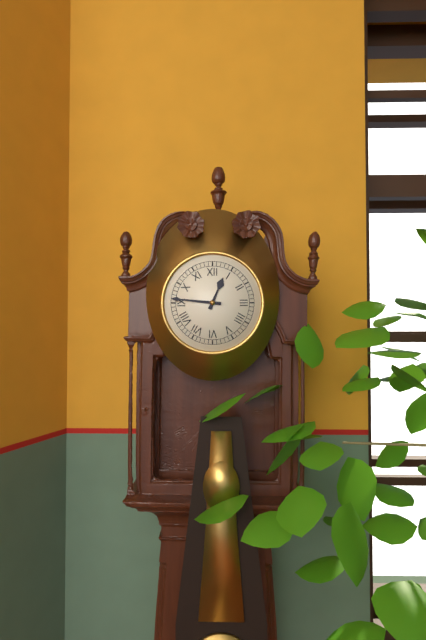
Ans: 12:46
